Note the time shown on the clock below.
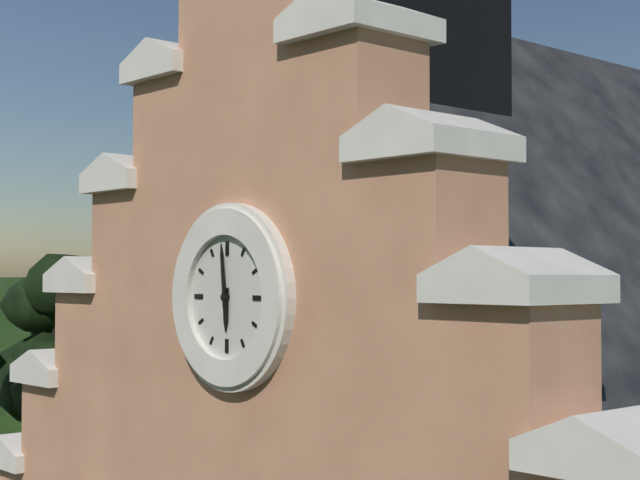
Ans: 5:59
